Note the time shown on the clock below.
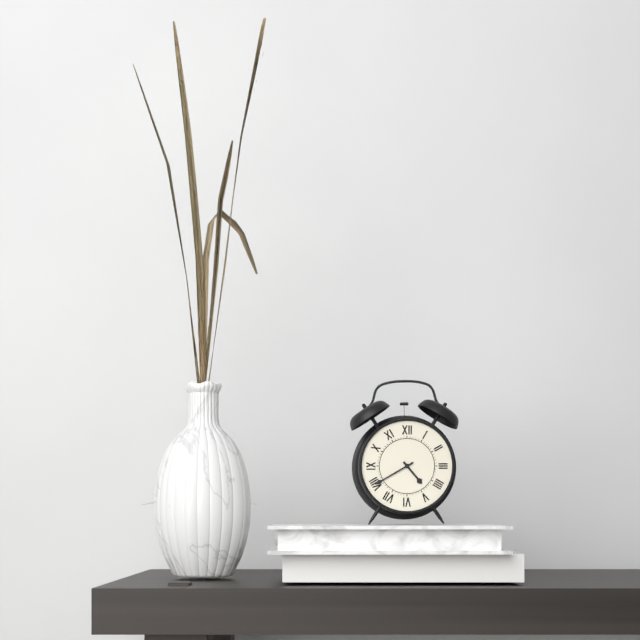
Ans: 4:40
